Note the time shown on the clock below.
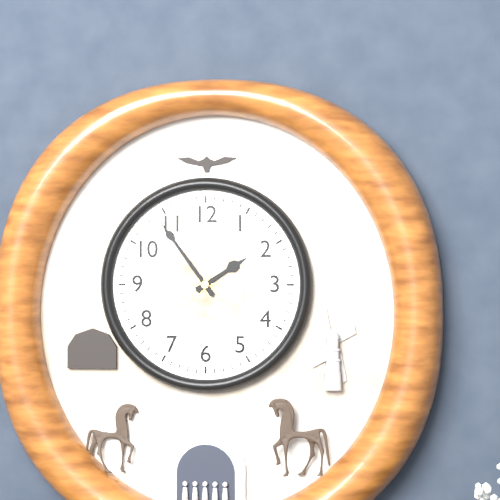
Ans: 1:54
